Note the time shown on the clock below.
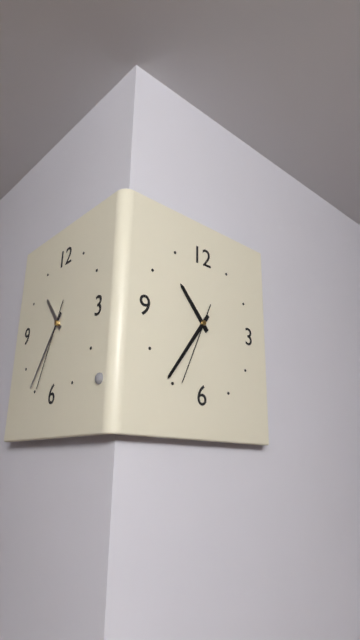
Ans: 10:36:34
